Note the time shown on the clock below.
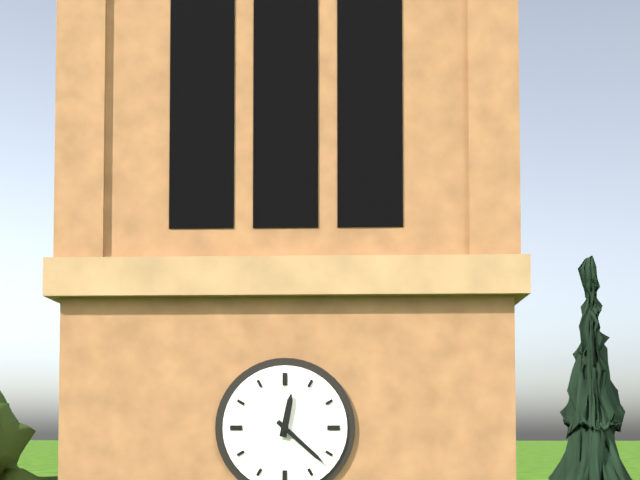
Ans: 12:22
